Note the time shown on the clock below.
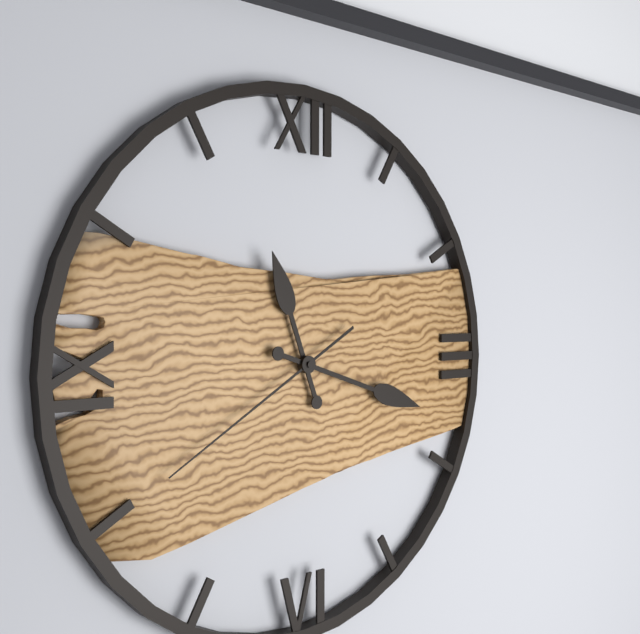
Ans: 11:18:40
